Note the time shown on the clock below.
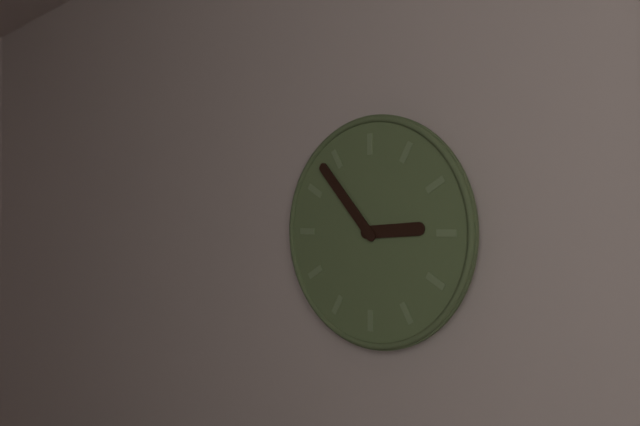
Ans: 2:53
